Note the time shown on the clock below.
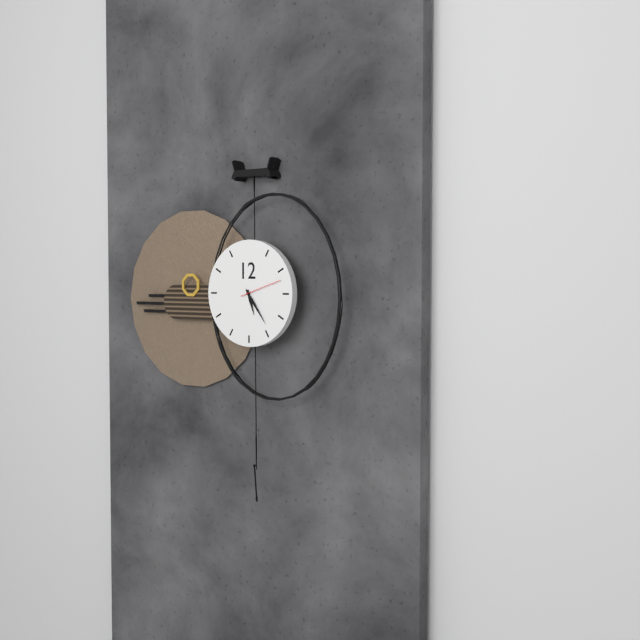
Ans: 5:24
